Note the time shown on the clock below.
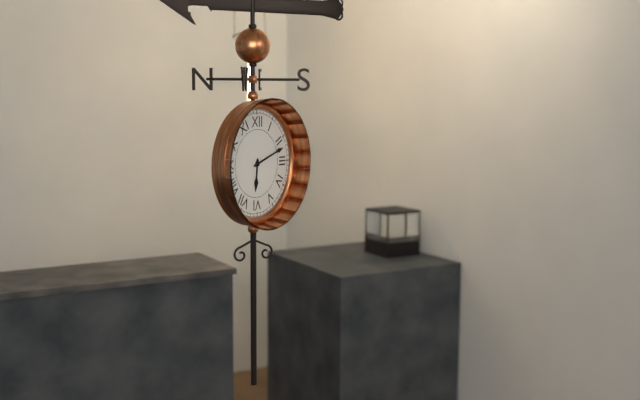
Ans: 6:12
